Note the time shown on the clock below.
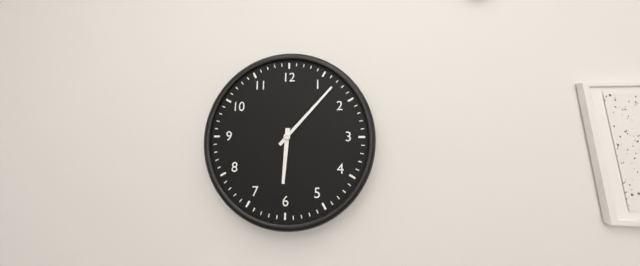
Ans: 6:07
